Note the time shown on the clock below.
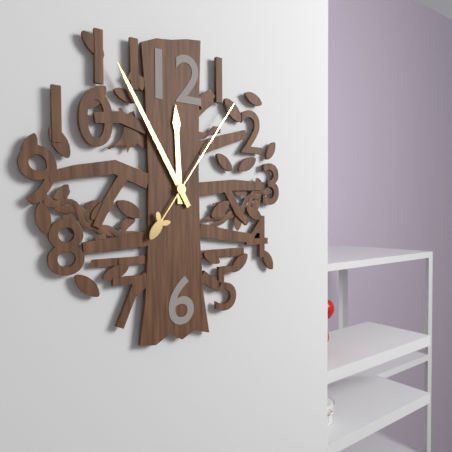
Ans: 11:55:06
